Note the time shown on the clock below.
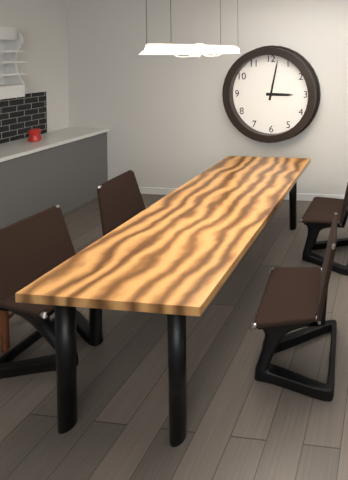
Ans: 3:02
